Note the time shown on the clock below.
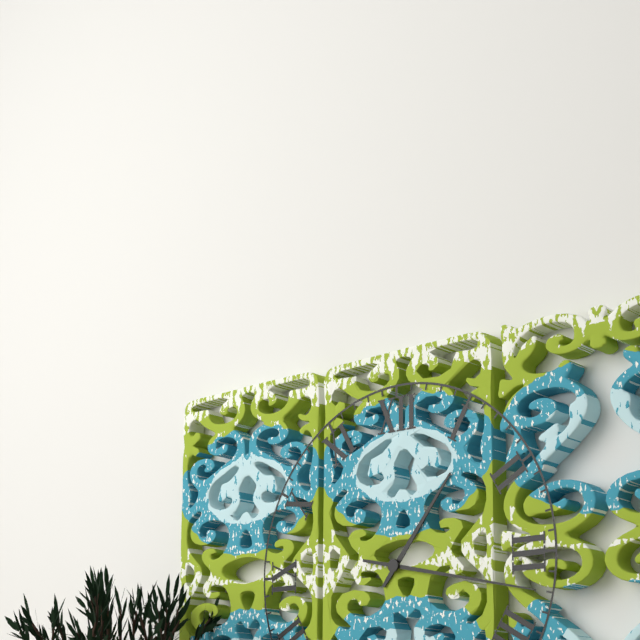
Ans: 1:17
